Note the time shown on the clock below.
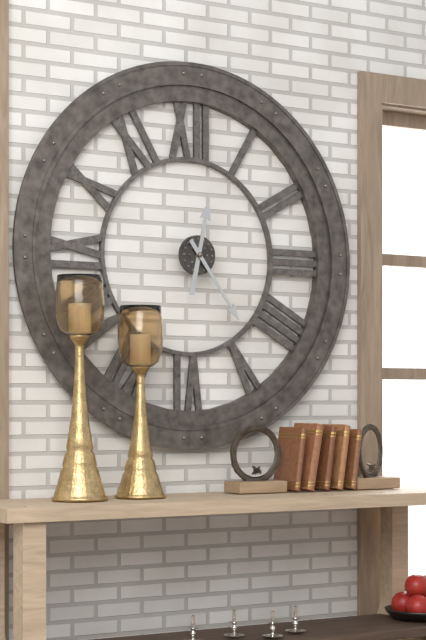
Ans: 12:24
